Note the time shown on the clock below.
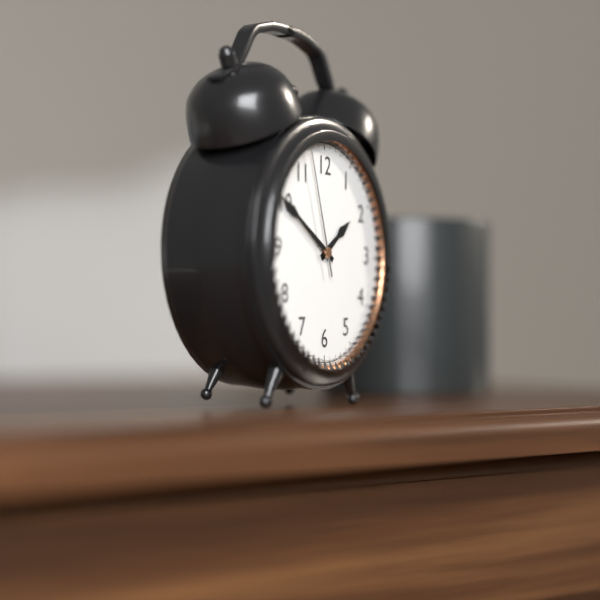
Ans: 1:50:57
